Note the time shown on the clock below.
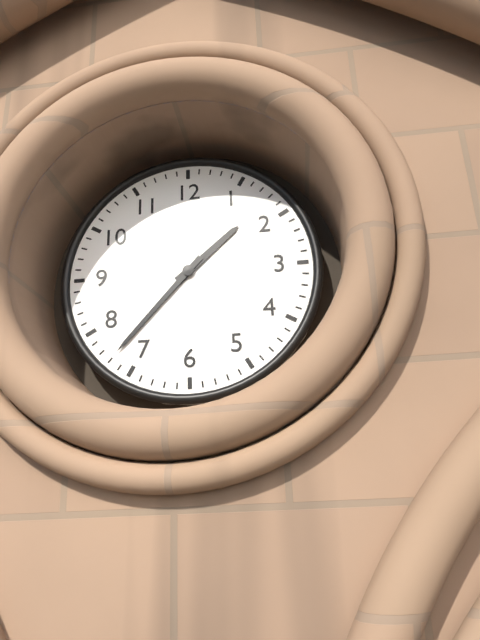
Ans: 1:37
